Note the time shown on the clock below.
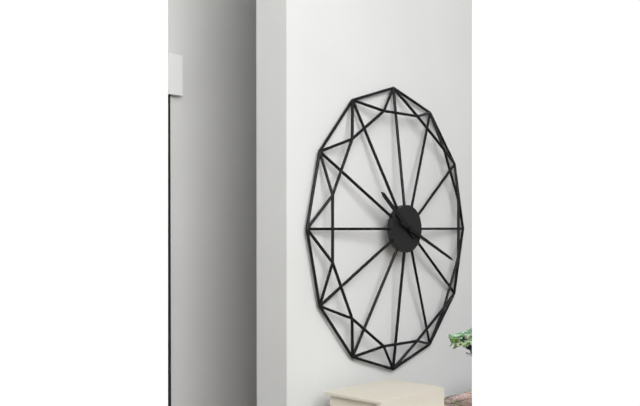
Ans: 10:19
